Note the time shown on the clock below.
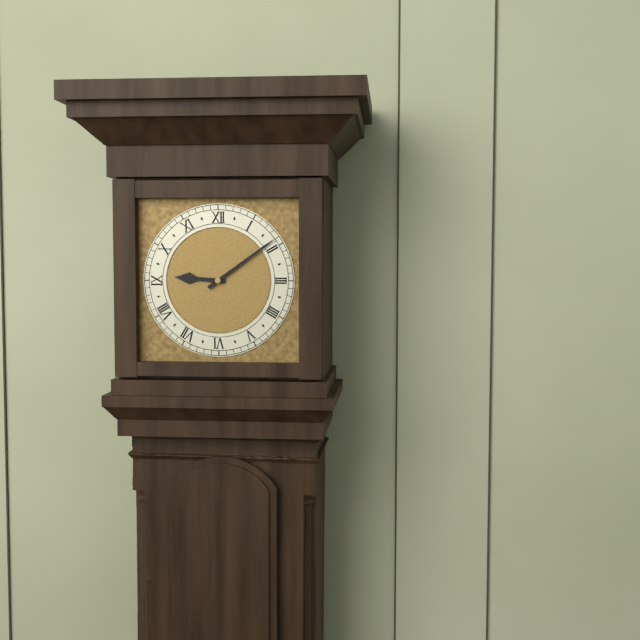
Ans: 9:09
